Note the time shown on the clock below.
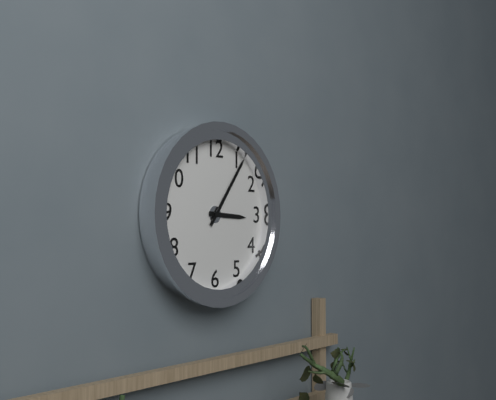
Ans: 3:06
